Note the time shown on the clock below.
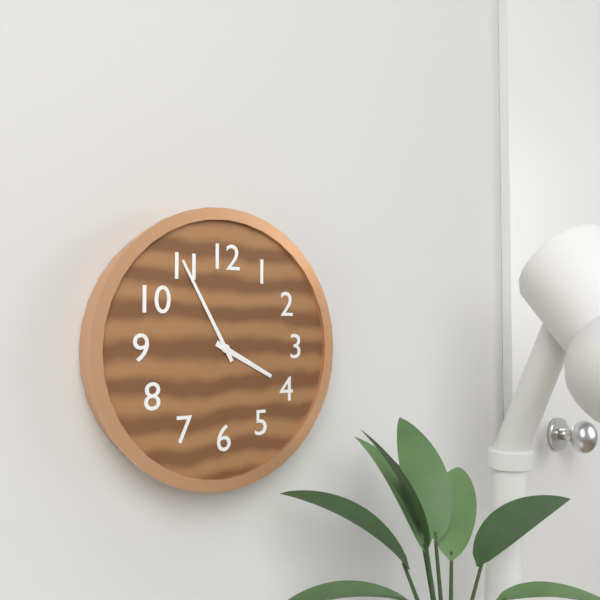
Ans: 3:55
